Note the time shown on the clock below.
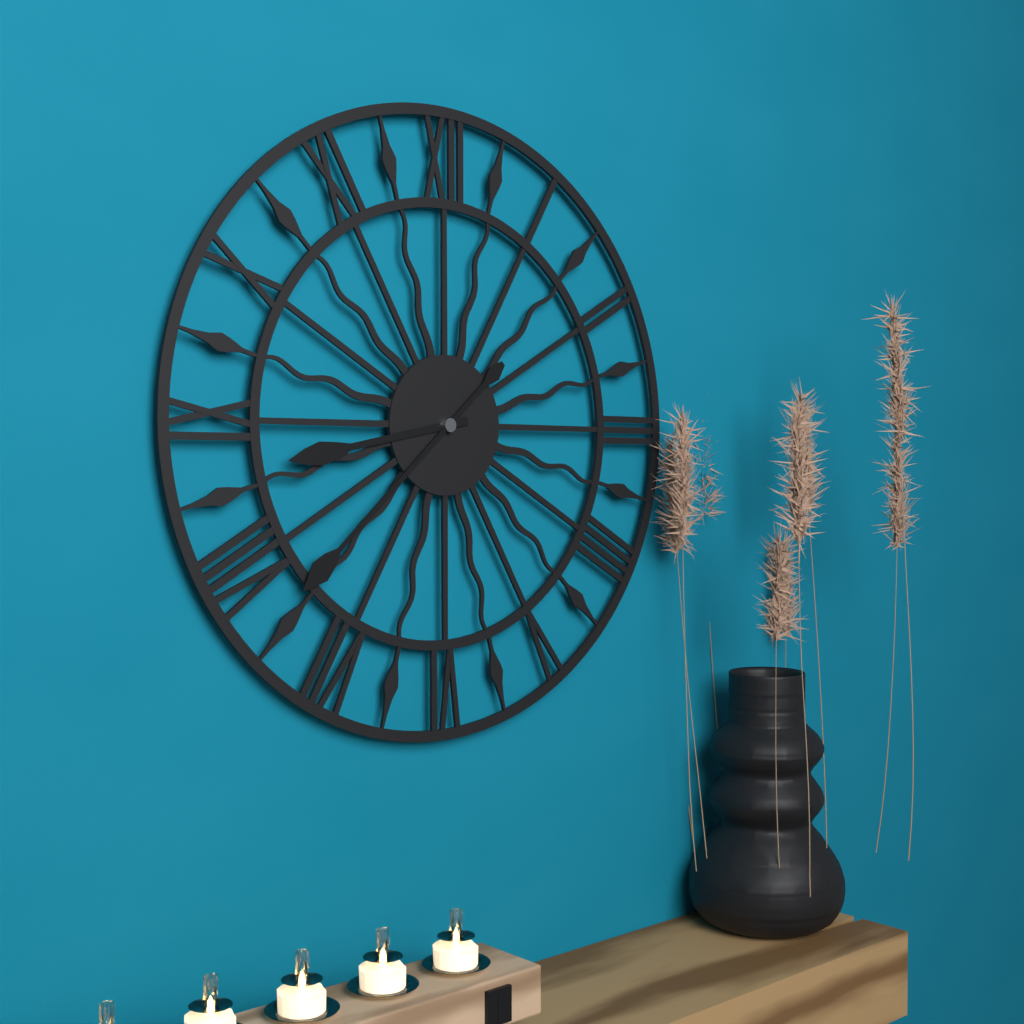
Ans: 8:38
